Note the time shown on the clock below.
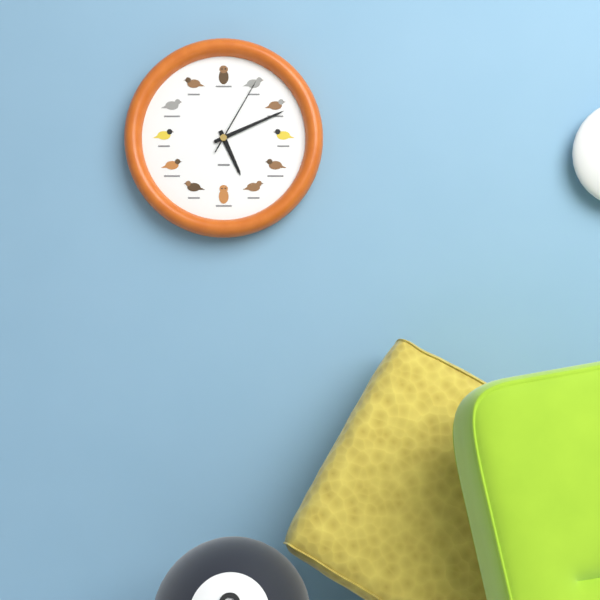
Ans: 5:11:05
